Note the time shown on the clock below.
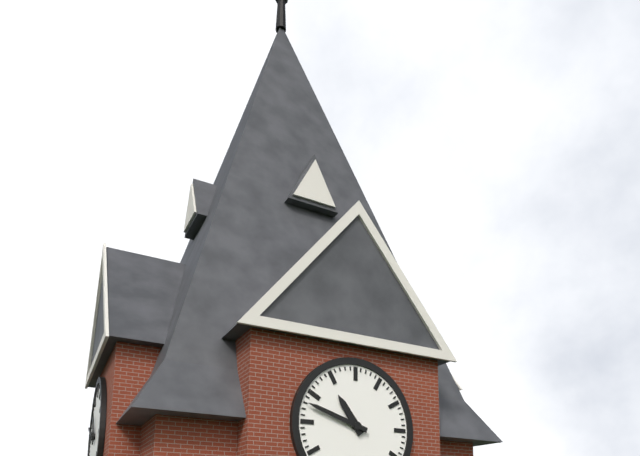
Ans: 10:48
